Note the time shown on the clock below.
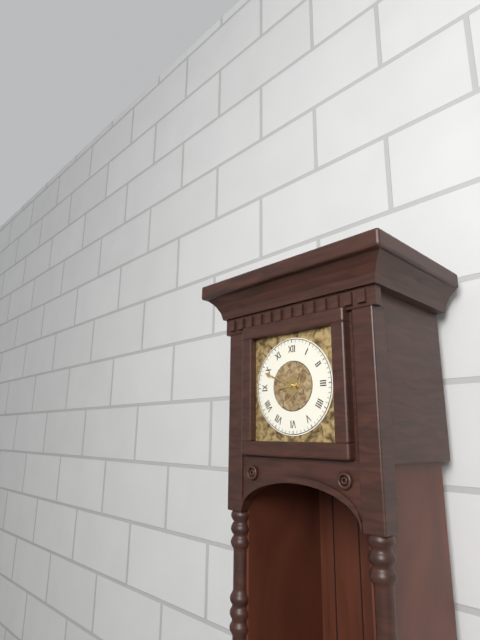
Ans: 8:49
